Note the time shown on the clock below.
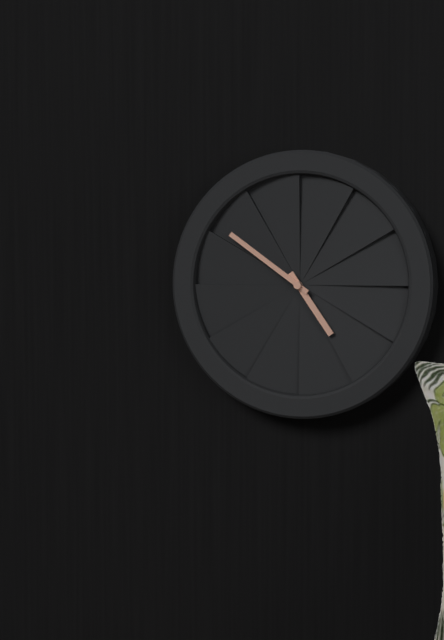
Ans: 4:51
